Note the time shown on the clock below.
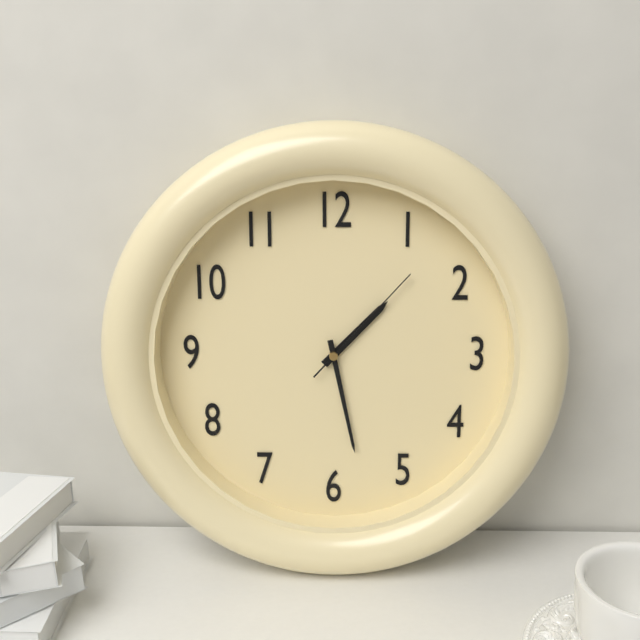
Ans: 1:28:07
